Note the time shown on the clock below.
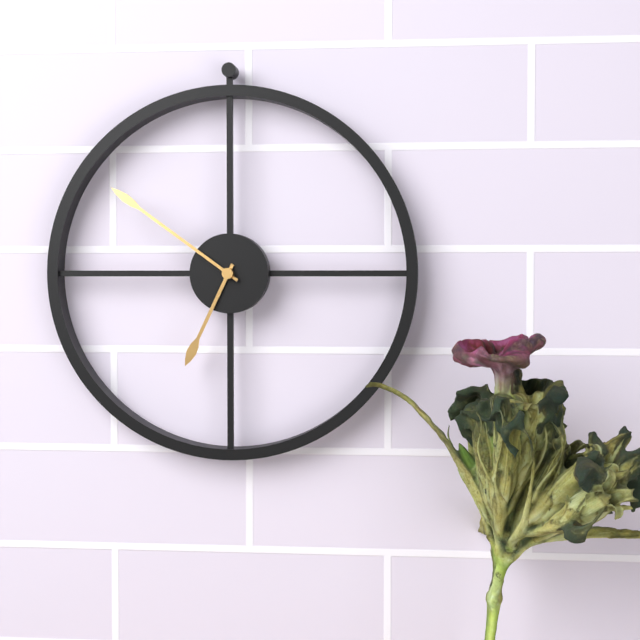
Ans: 6:51
